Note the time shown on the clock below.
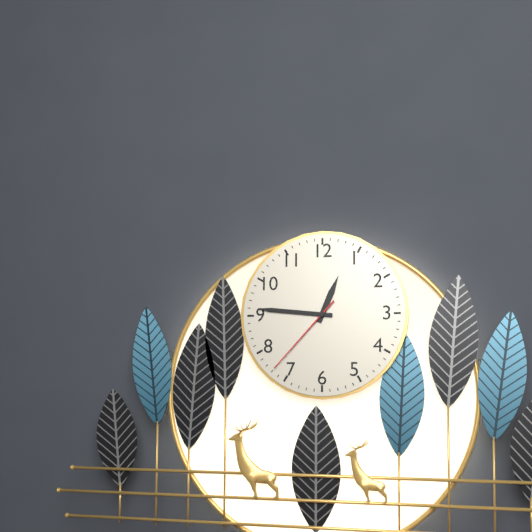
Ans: 12:46:37
